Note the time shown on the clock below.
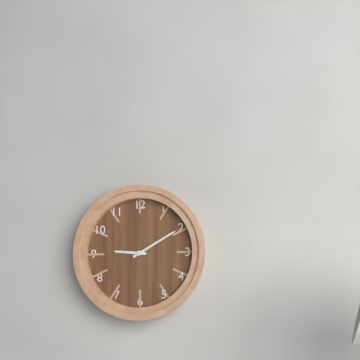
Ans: 9:10
